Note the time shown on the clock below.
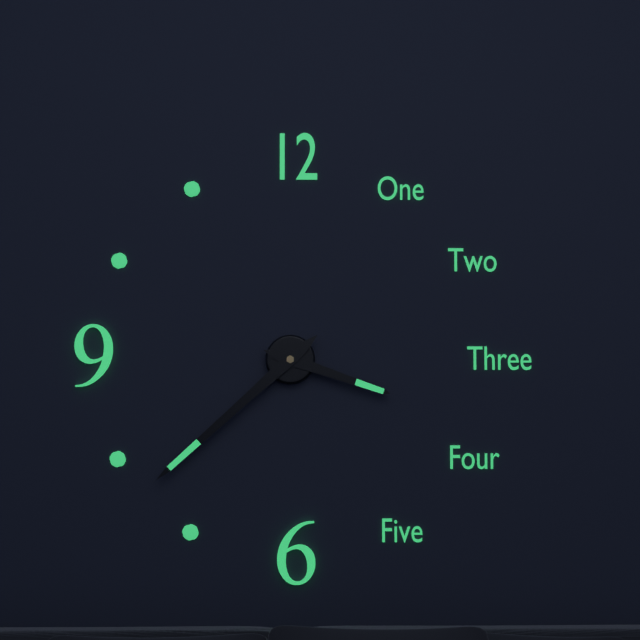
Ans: 3:38
